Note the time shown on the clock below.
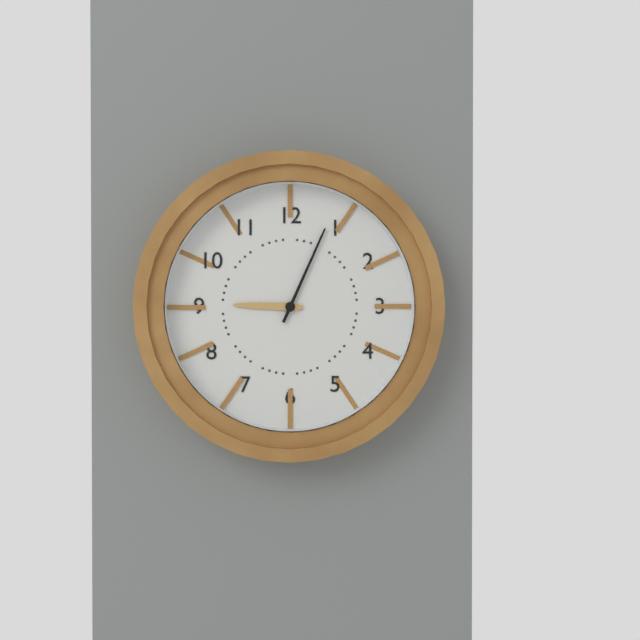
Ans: 9:04
